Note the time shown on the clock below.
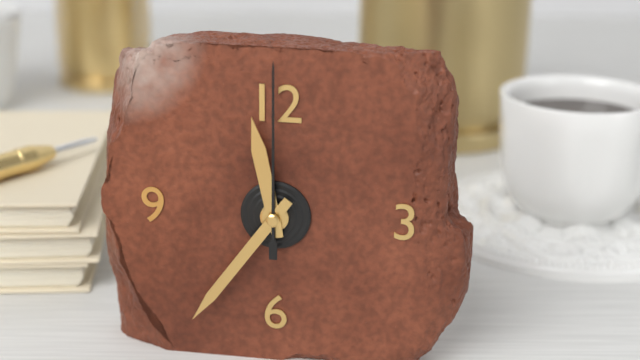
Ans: 11:36:00
